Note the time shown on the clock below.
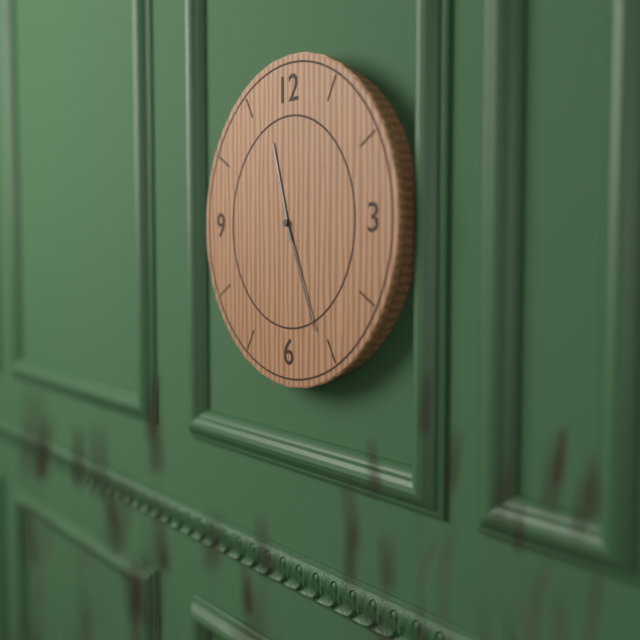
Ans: 11:26
